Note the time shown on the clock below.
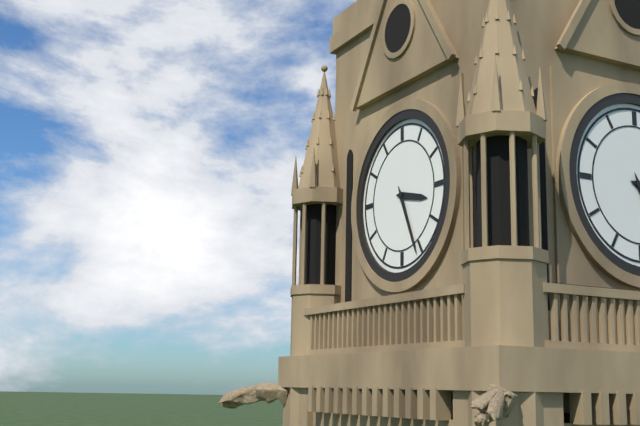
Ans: 3:26
